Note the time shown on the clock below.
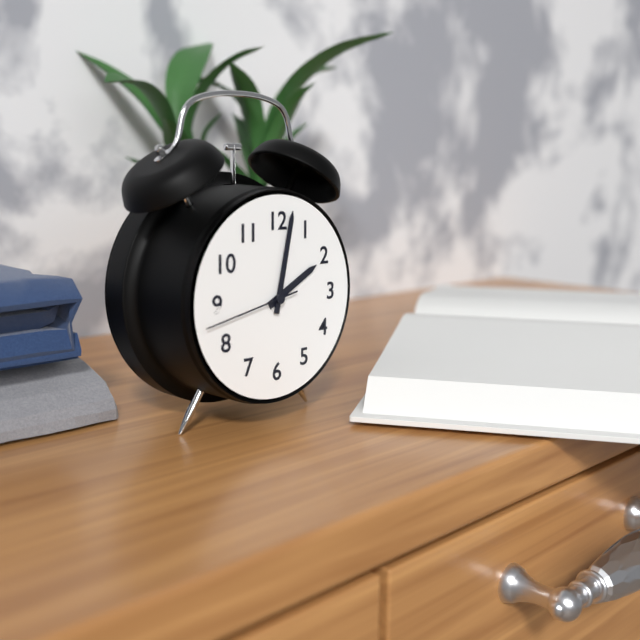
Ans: 2:02:43
